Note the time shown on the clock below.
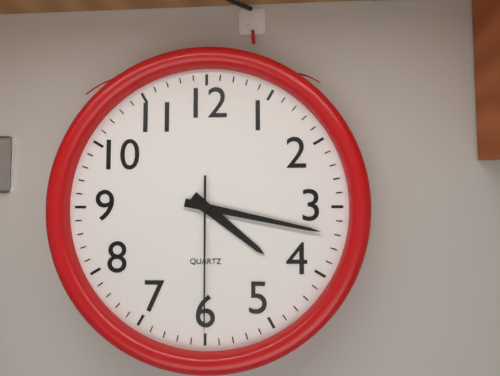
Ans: 4:17:30
